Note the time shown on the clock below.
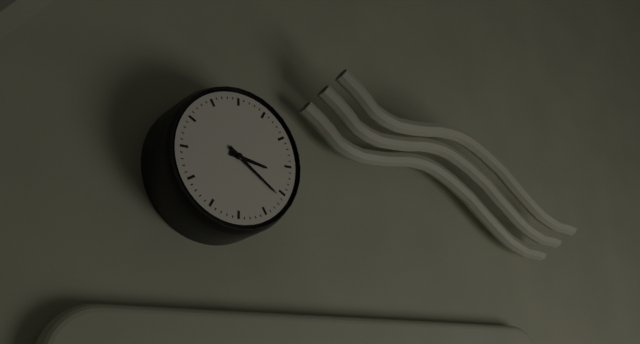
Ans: 3:21
